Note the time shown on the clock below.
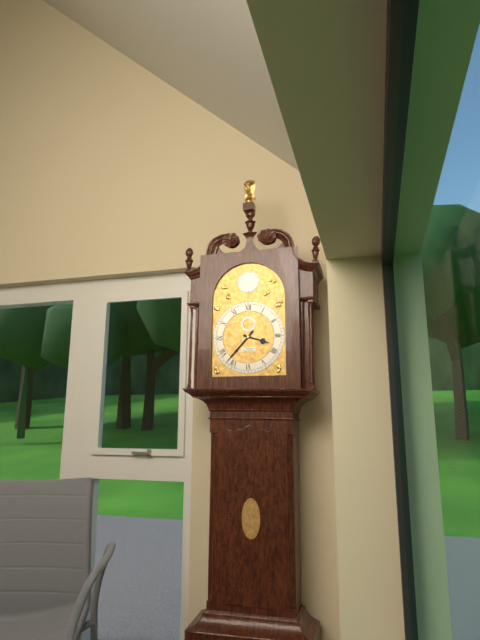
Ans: 3:37
